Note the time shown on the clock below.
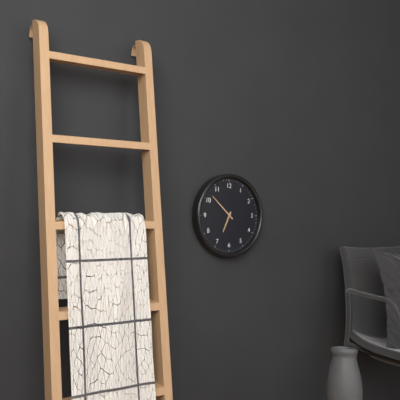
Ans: 6:52
